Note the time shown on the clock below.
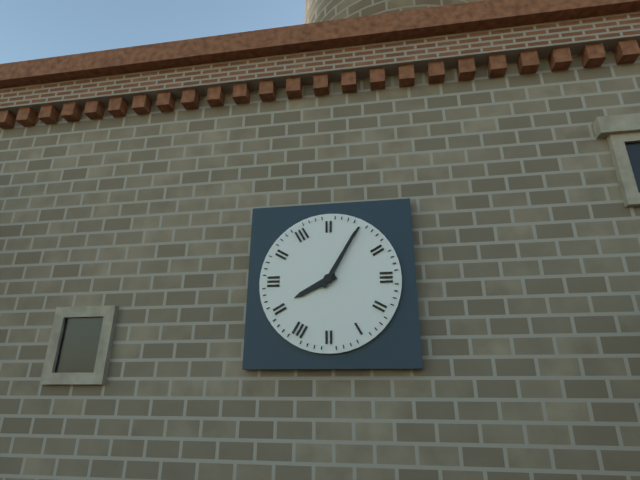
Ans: 8:05
